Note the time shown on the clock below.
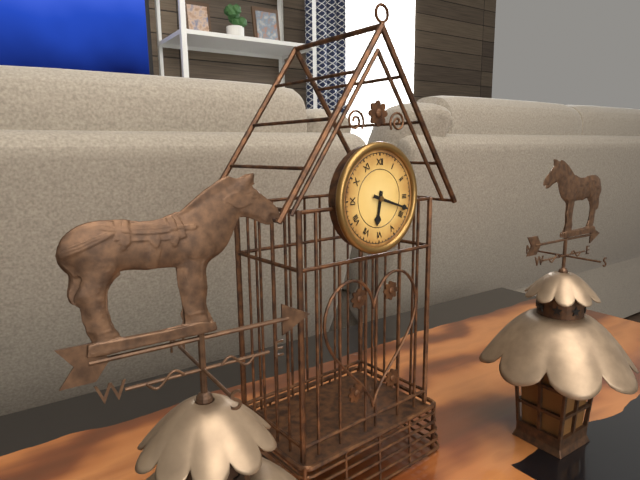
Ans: 6:18
